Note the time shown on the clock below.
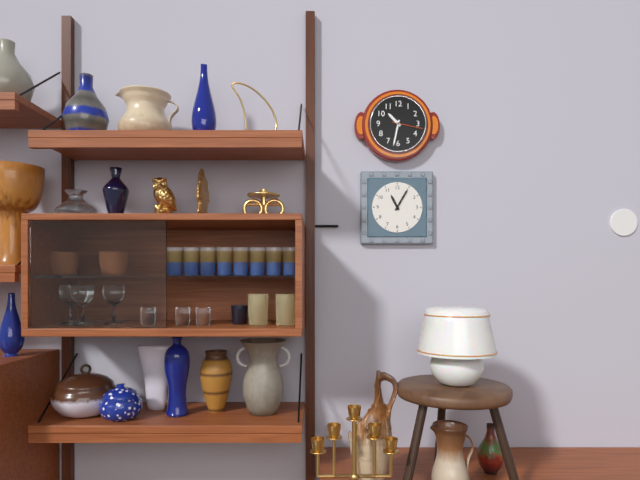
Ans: 10:32
